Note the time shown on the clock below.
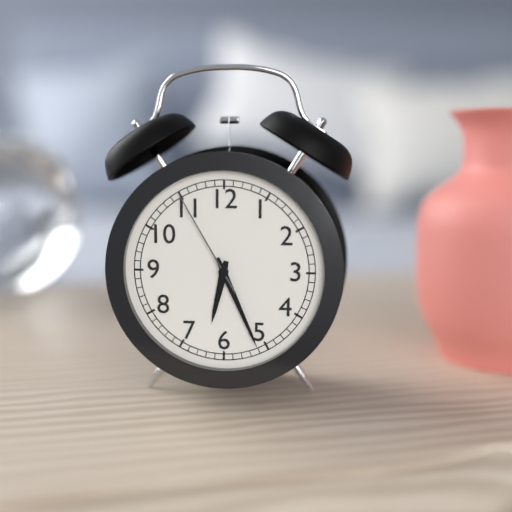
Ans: 6:26:55
